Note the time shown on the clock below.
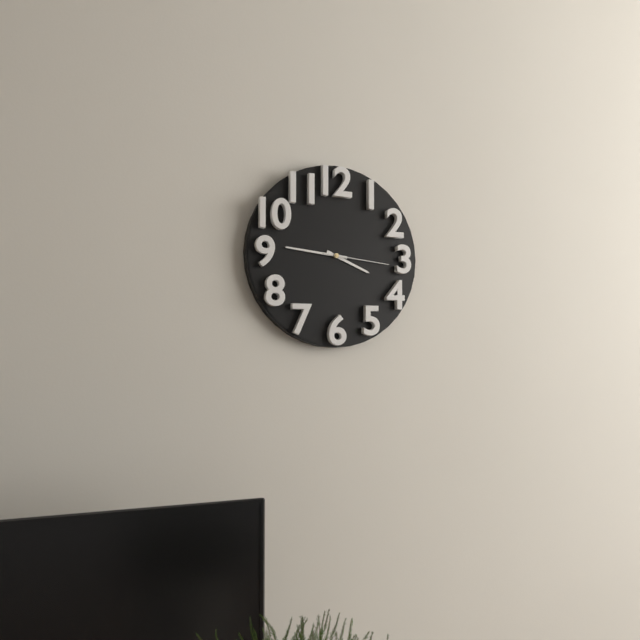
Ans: 3:46:16
